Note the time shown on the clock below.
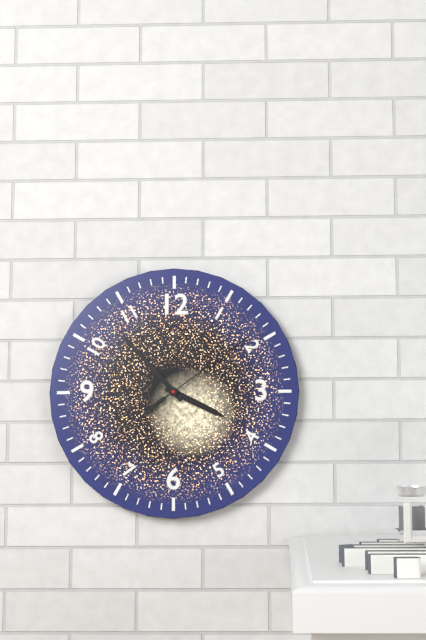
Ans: 3:53:09
